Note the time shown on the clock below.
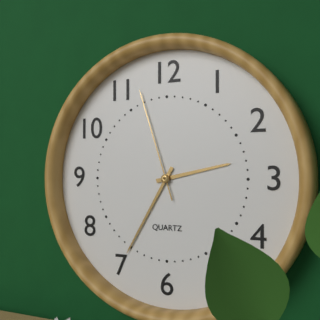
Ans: 2:35:57
